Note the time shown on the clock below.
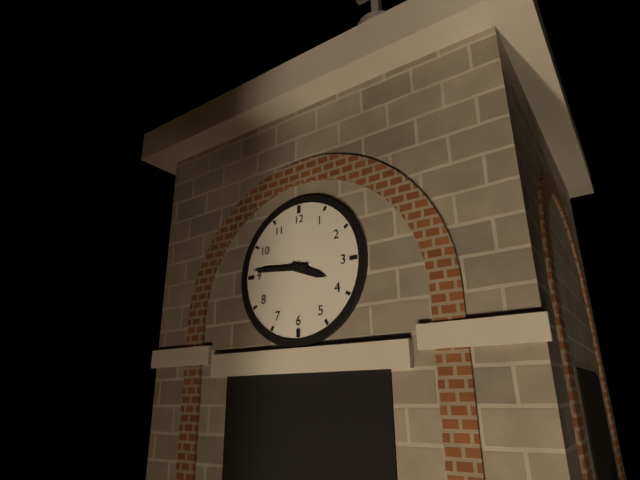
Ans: 3:46
